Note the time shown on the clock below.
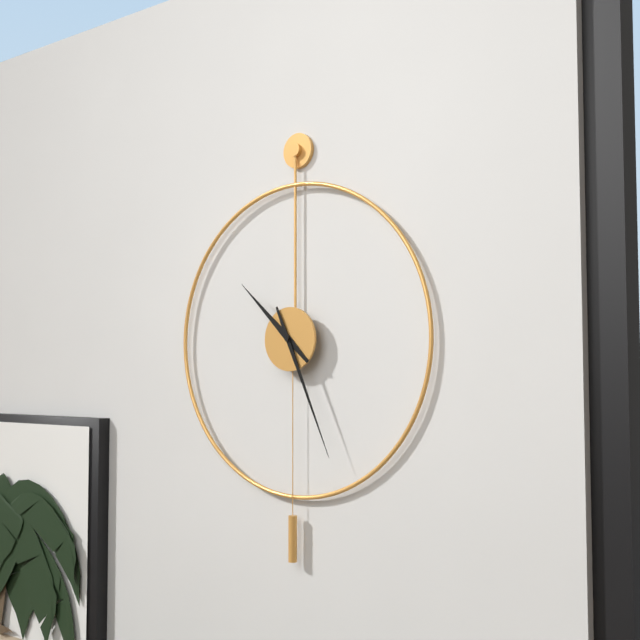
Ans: 10:26
